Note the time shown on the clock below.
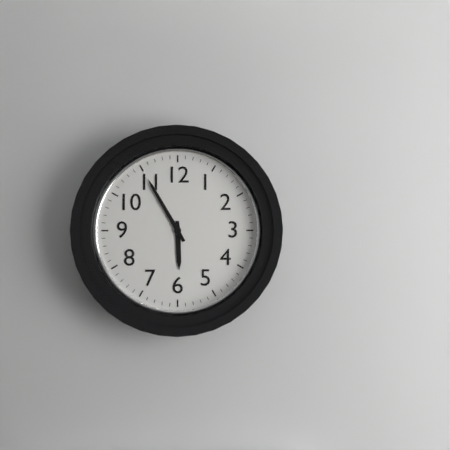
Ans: 5:55
